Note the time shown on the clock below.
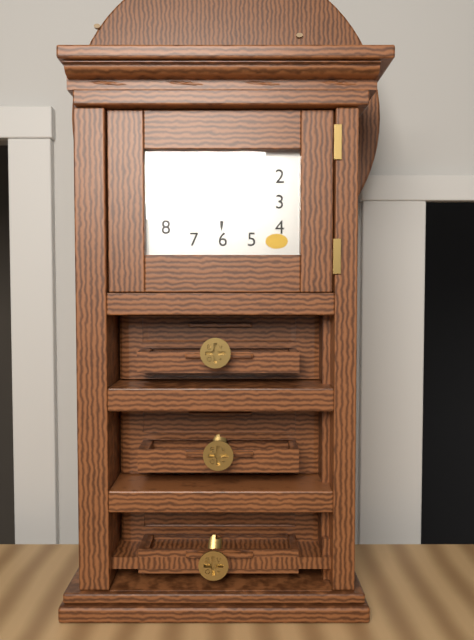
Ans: 6:06
